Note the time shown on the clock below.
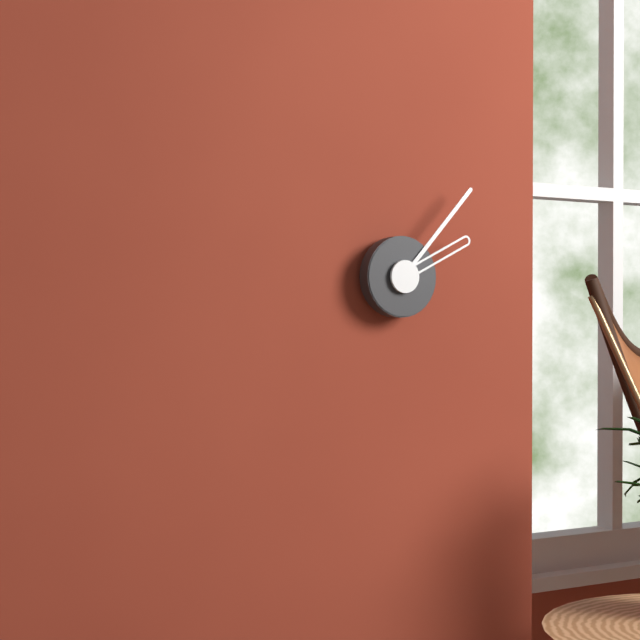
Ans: 2:07
